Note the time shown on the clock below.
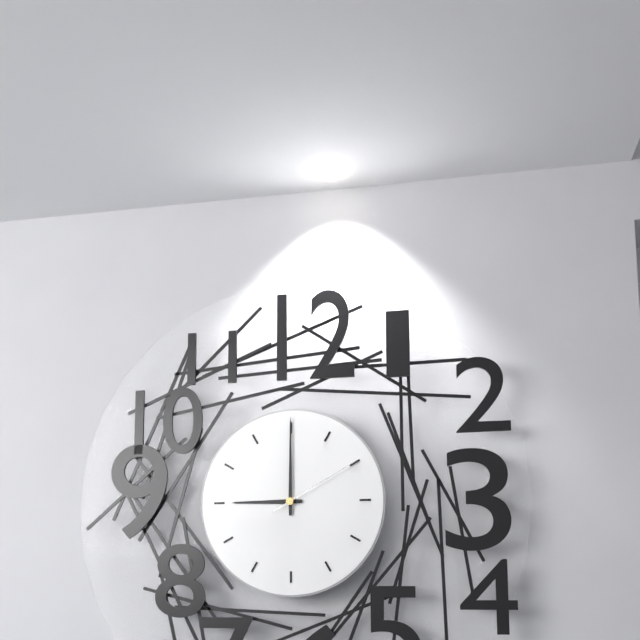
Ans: 9:00:10
